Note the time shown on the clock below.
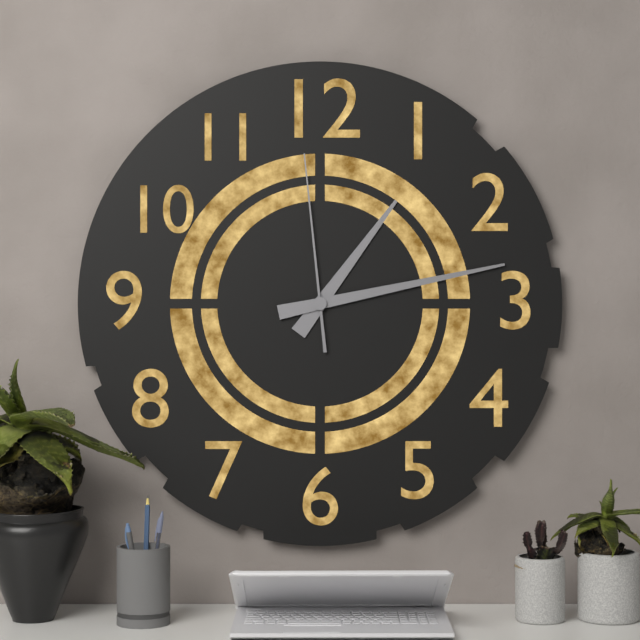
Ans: 1:13:59
